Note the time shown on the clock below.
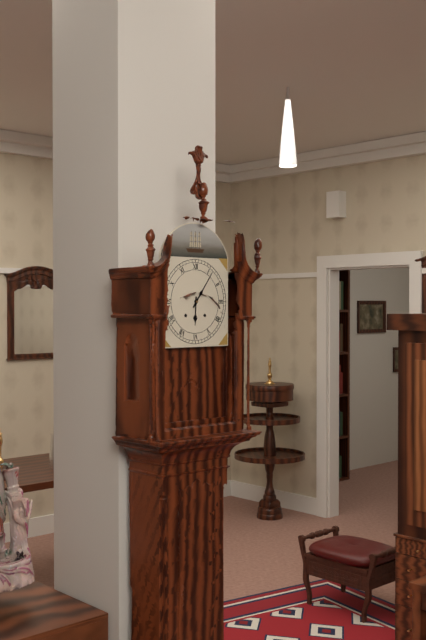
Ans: 6:06
